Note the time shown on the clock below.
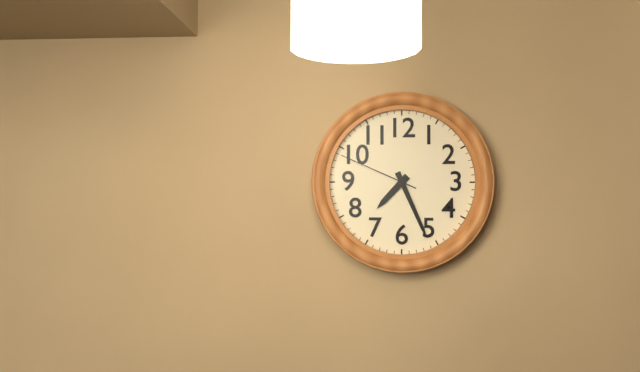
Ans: 7:26:49
